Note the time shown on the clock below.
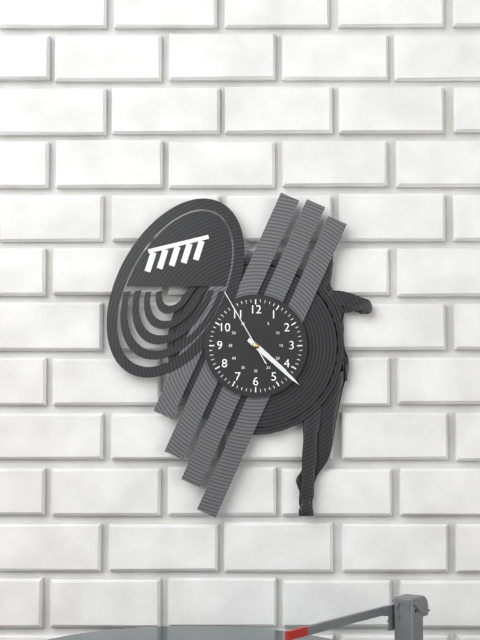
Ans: 4:22:55
